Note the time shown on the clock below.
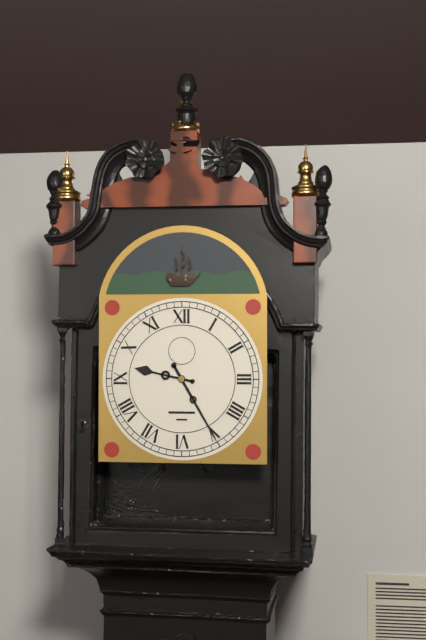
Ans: 9:25
